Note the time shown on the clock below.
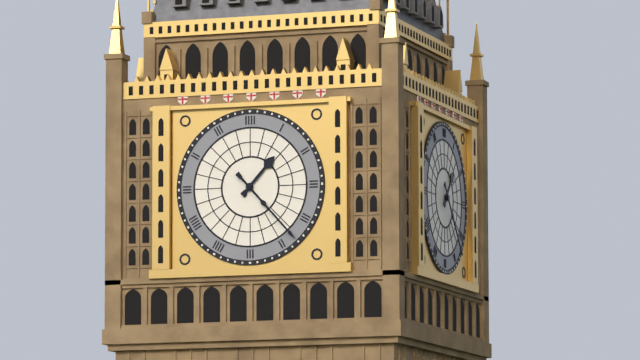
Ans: 1:23
